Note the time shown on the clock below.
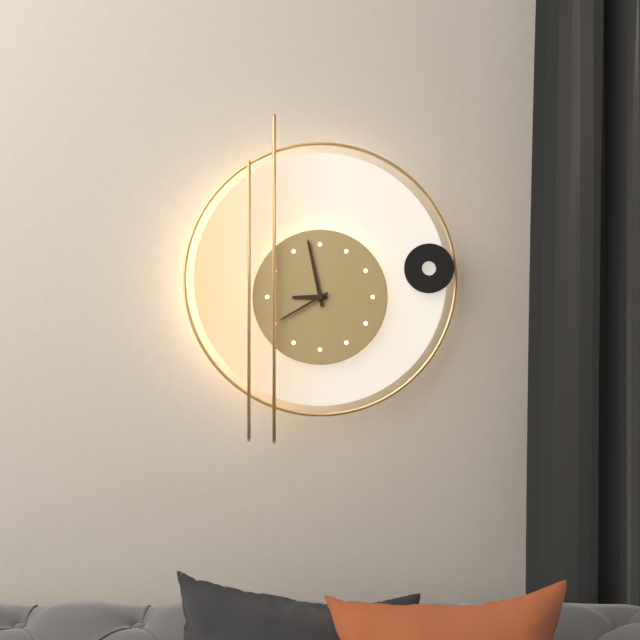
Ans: 8:58:40
